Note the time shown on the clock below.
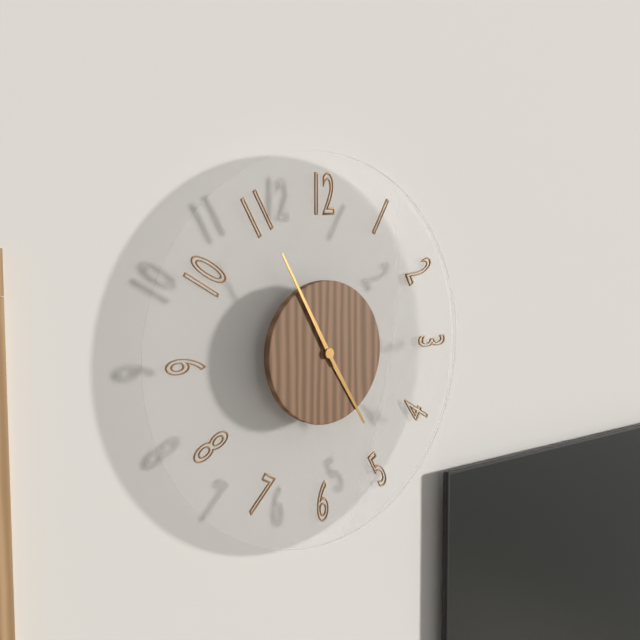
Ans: 4:55
